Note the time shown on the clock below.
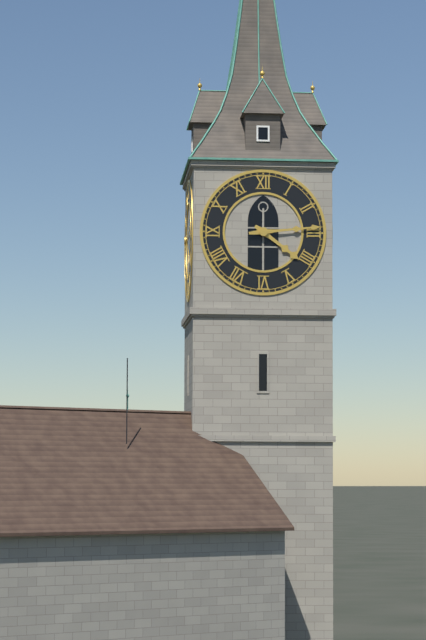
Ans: 4:14
